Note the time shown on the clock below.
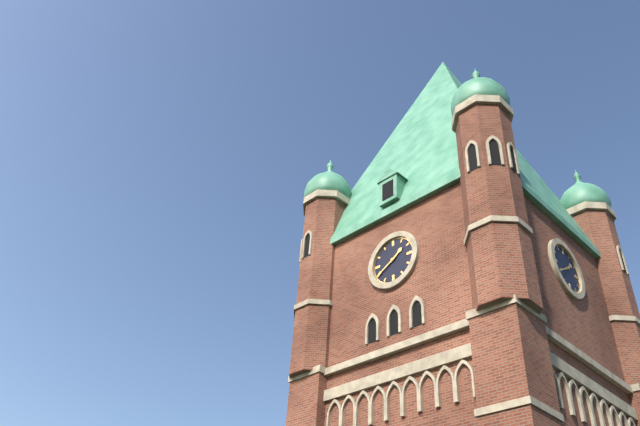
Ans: 1:40
